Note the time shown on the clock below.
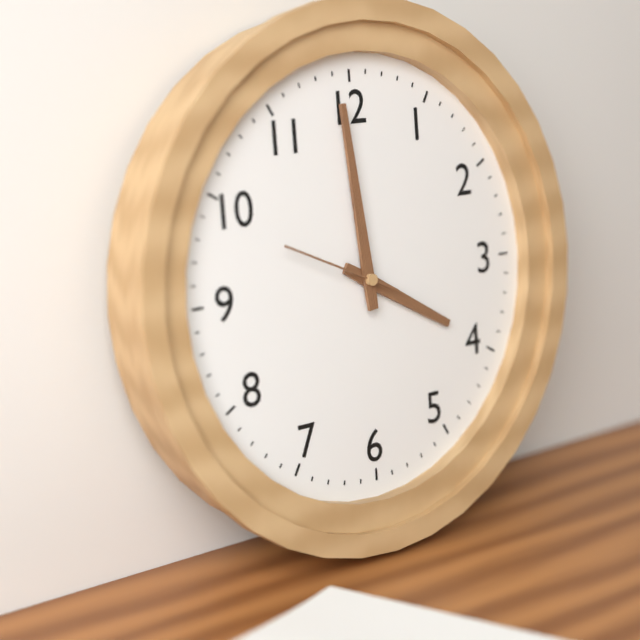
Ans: 3:59:49
